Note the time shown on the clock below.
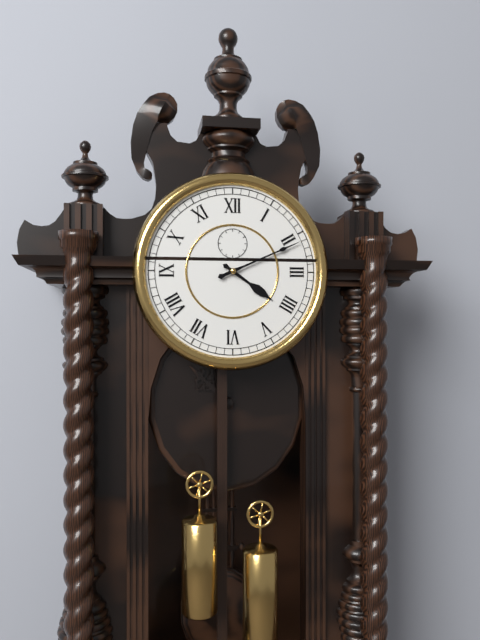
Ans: 4:11
